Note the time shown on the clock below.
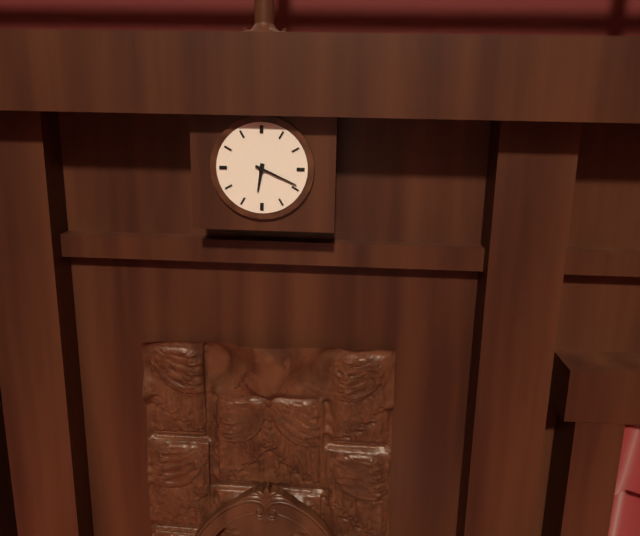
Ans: 6:19
